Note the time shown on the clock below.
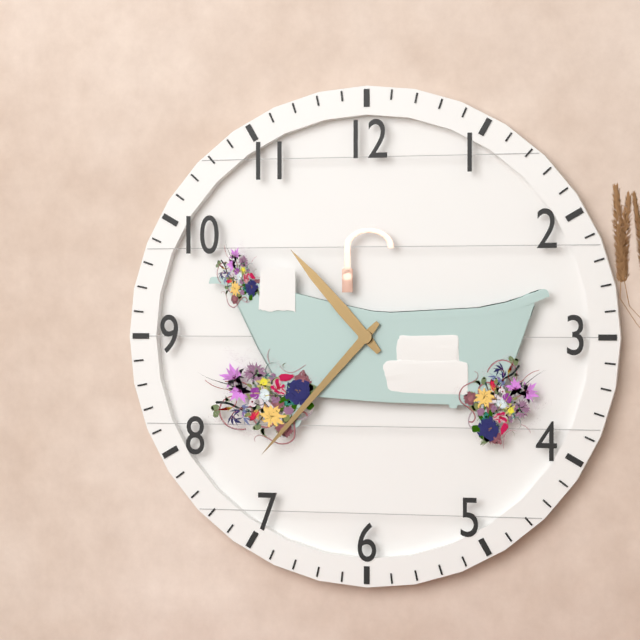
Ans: 10:37
